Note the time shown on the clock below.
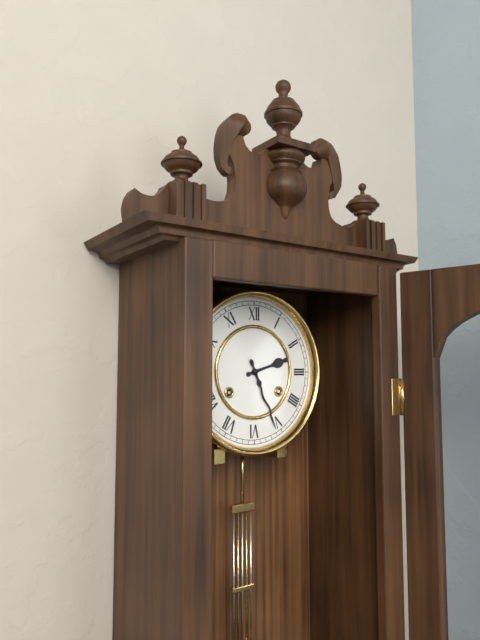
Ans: 2:26
